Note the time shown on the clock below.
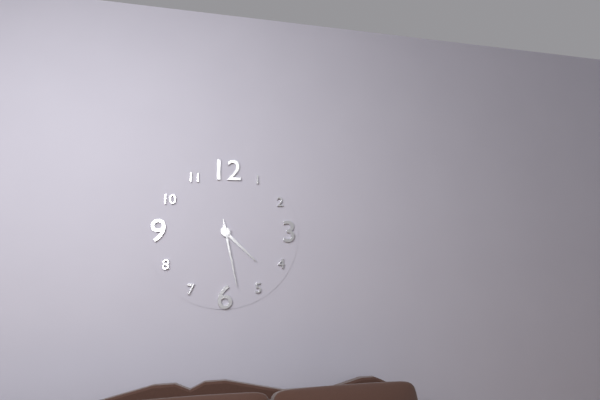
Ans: 4:28:28
